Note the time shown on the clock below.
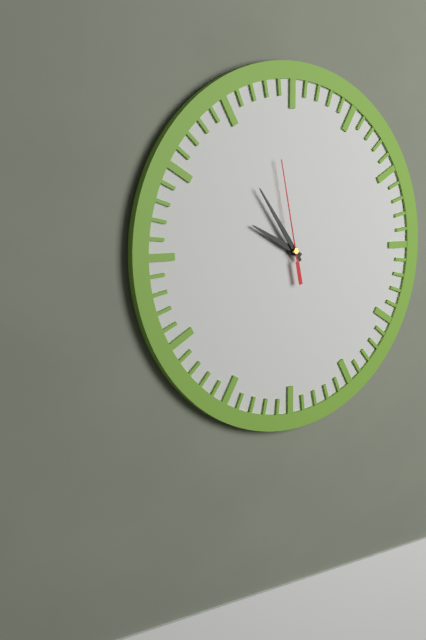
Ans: 9:54:58
